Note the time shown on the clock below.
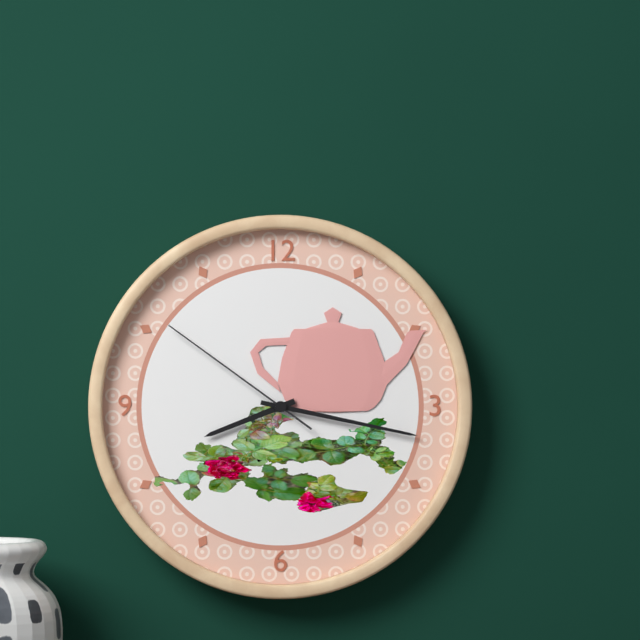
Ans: 8:17:51
